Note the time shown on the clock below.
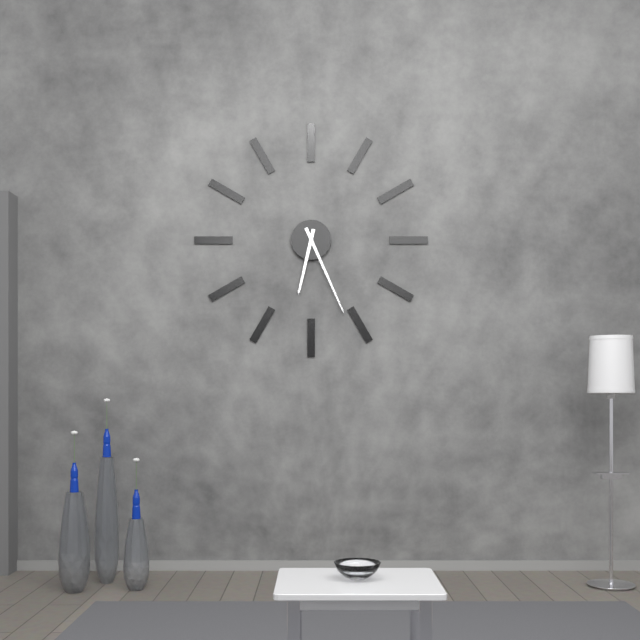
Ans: 6:26
